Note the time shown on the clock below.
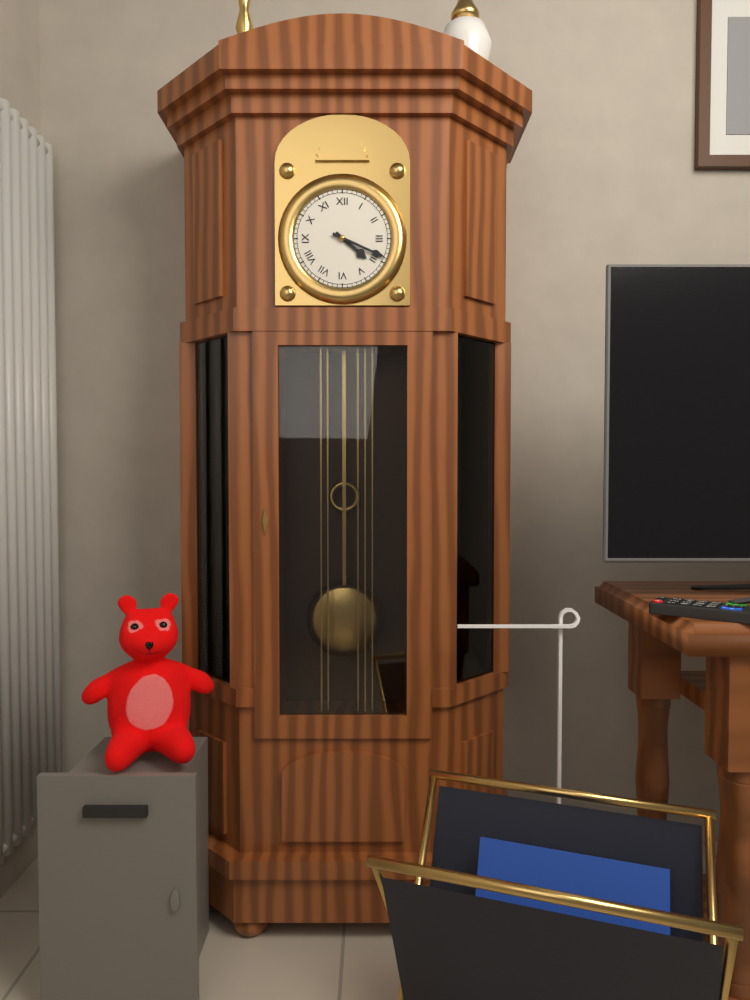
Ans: 4:19
